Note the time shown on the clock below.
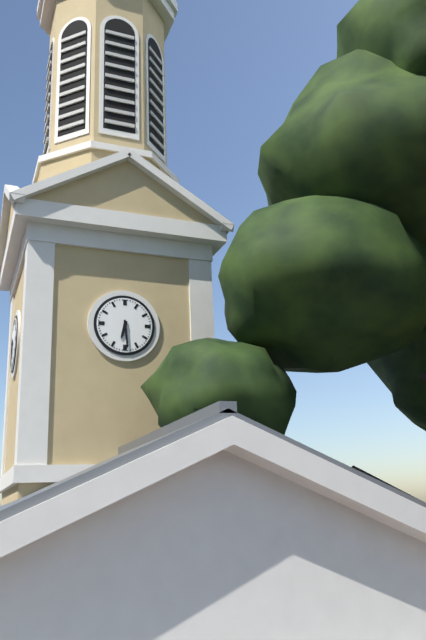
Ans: 6:29
